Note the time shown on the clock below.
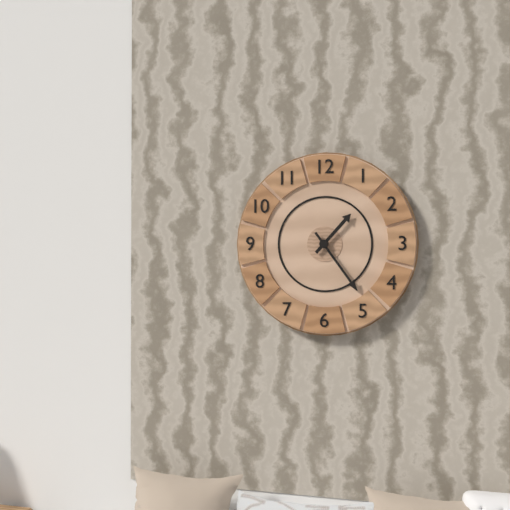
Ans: 1:24
